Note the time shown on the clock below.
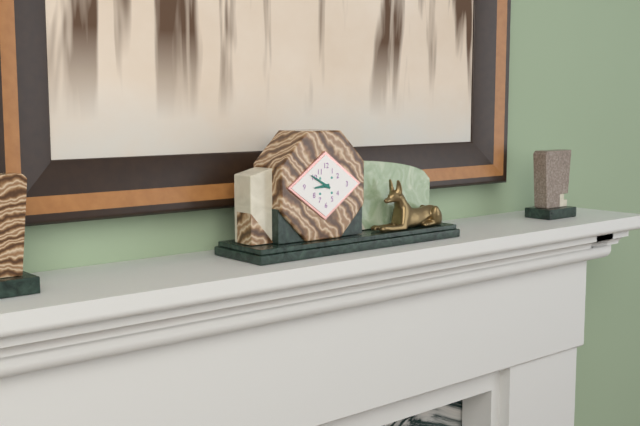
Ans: 8:50
